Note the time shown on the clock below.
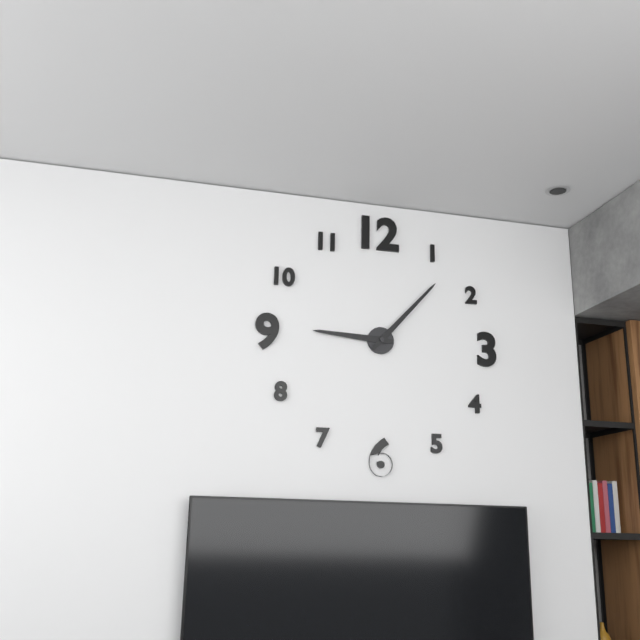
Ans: 9:07
